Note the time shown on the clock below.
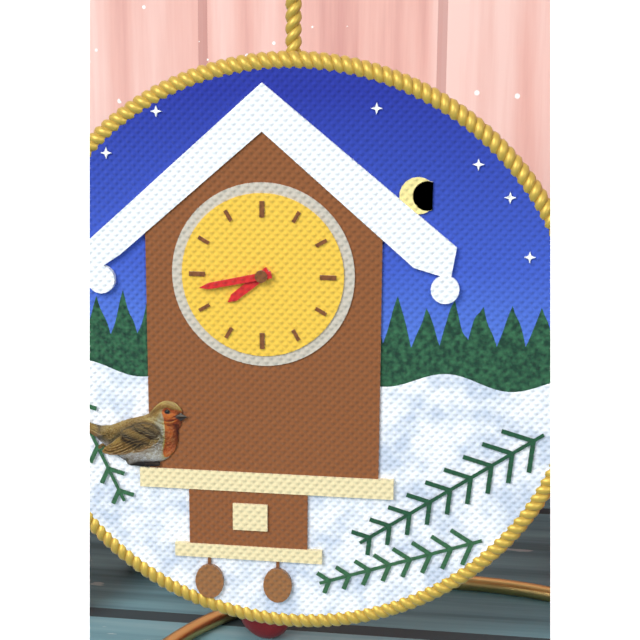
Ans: 7:43
